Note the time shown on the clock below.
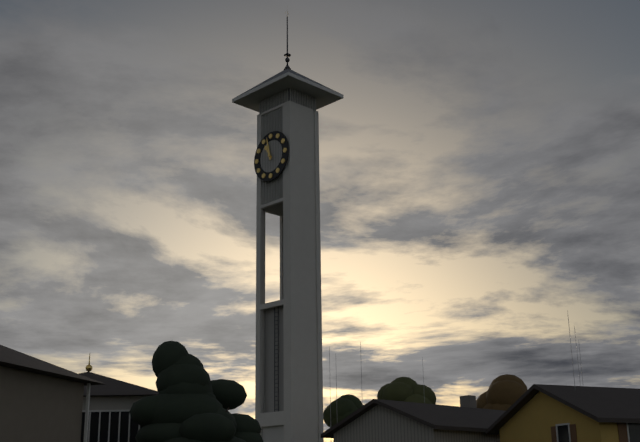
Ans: 10:58
